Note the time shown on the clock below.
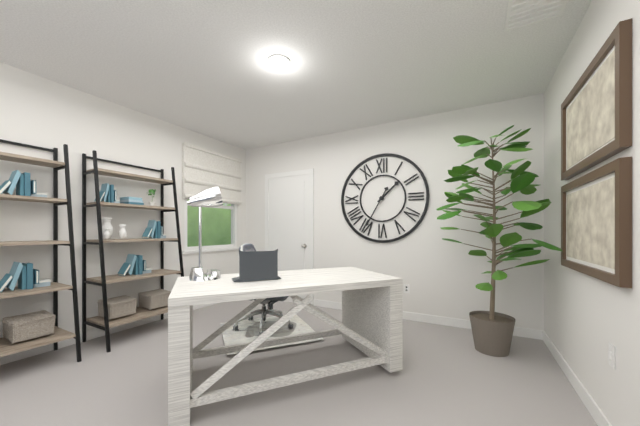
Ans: 1:35
